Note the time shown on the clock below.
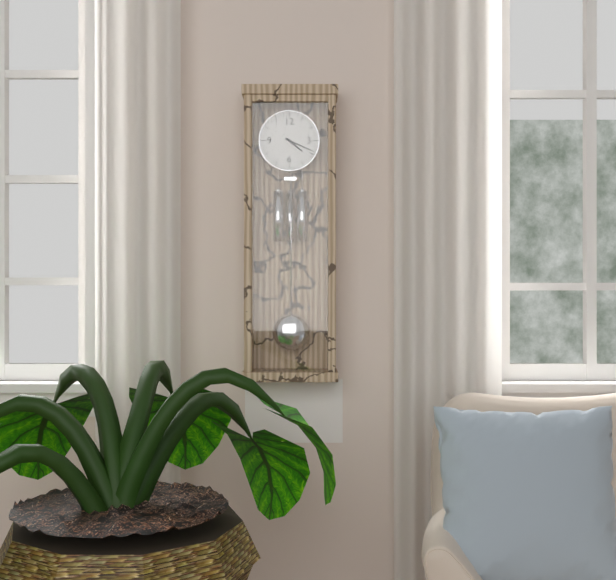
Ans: 4:19
